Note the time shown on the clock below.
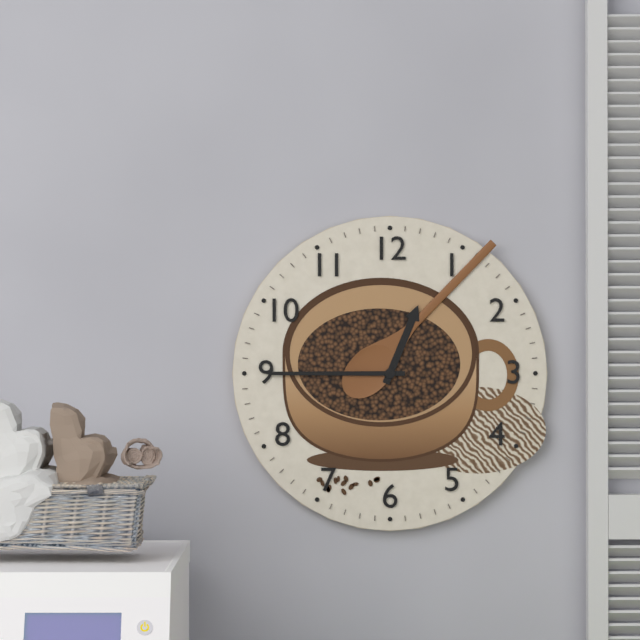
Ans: 12:45
